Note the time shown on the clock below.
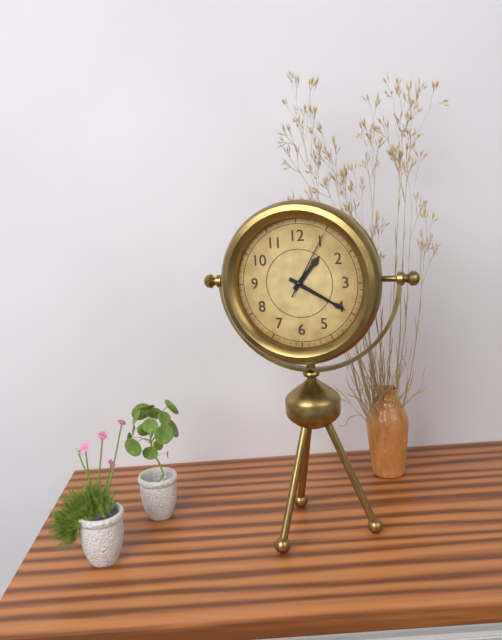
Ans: 1:20:05
